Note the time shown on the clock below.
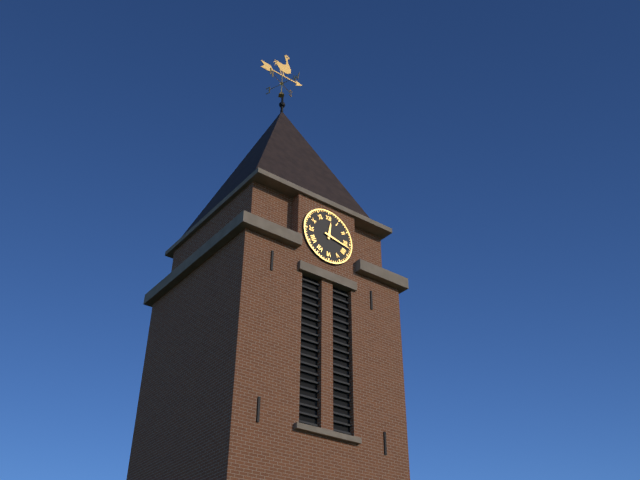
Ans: 12:17
